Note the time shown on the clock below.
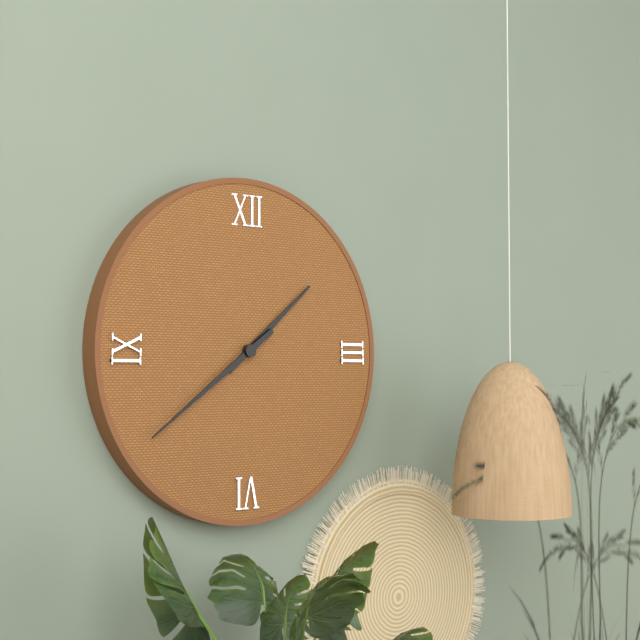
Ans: 1:39
